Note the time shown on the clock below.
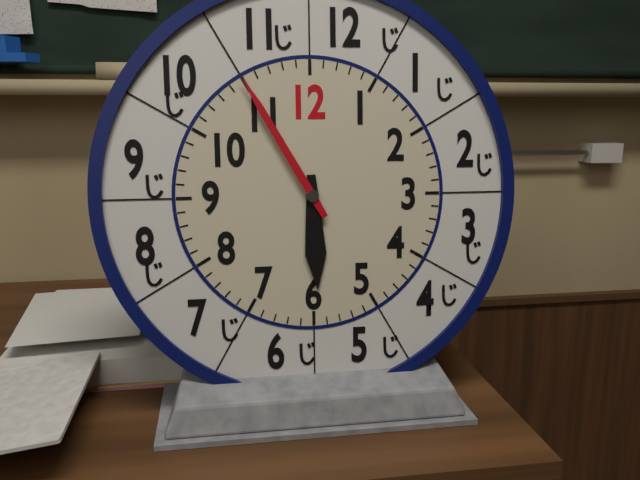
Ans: 5:55
